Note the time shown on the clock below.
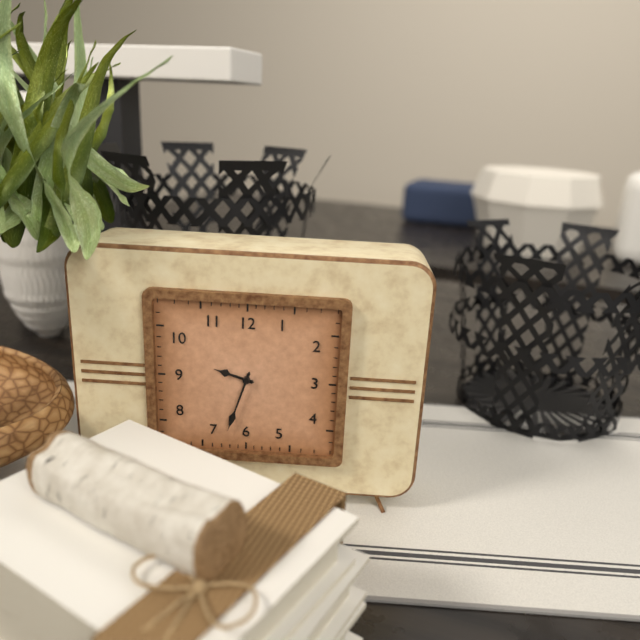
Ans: 9:33
